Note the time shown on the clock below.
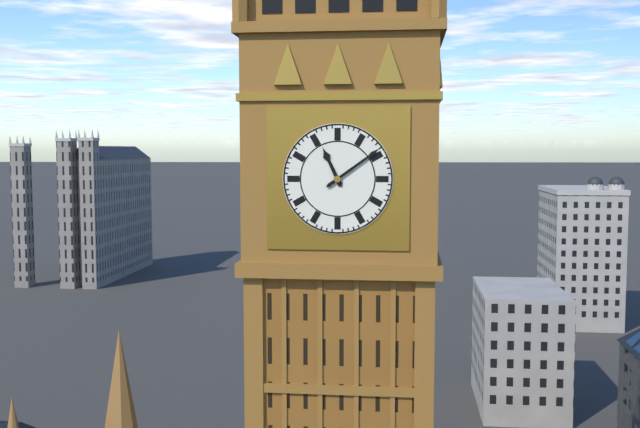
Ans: 11:09
